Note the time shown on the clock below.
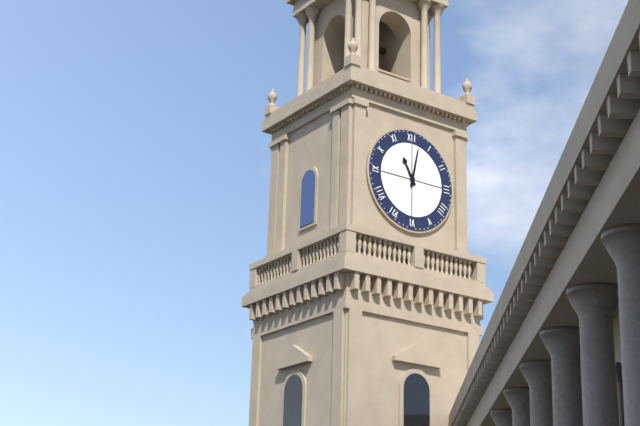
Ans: 11:02
